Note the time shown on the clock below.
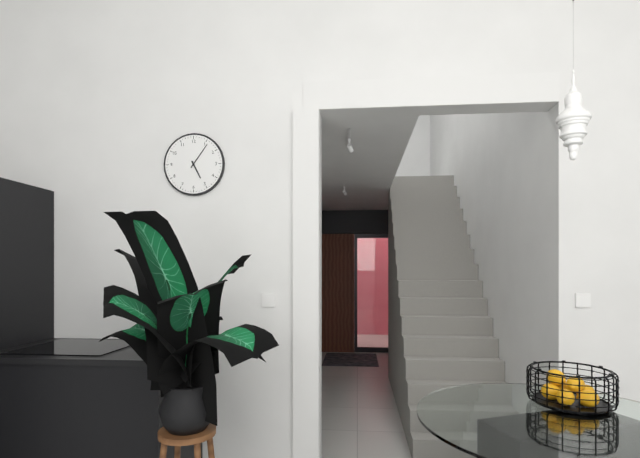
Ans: 5:06
